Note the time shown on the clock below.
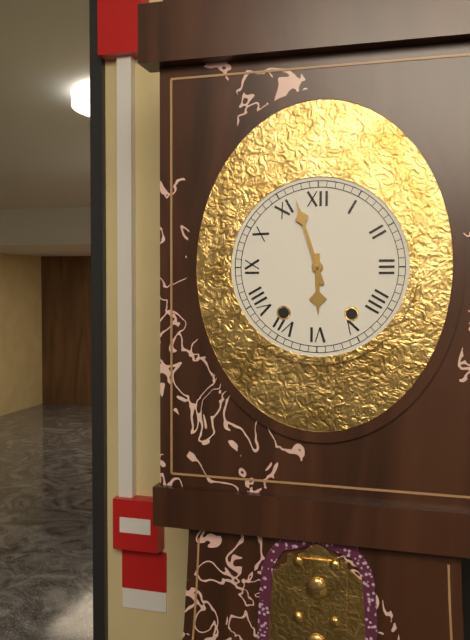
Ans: 5:57
